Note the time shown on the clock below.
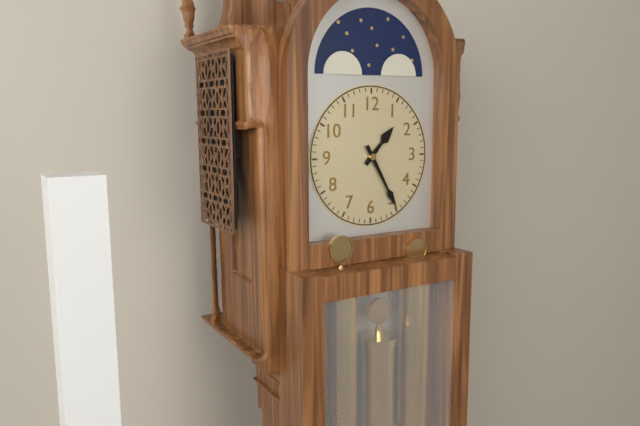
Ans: 1:25
